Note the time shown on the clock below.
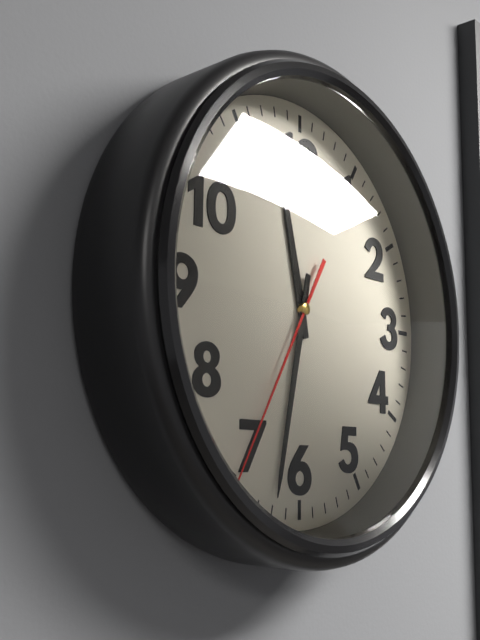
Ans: 11:32:35
